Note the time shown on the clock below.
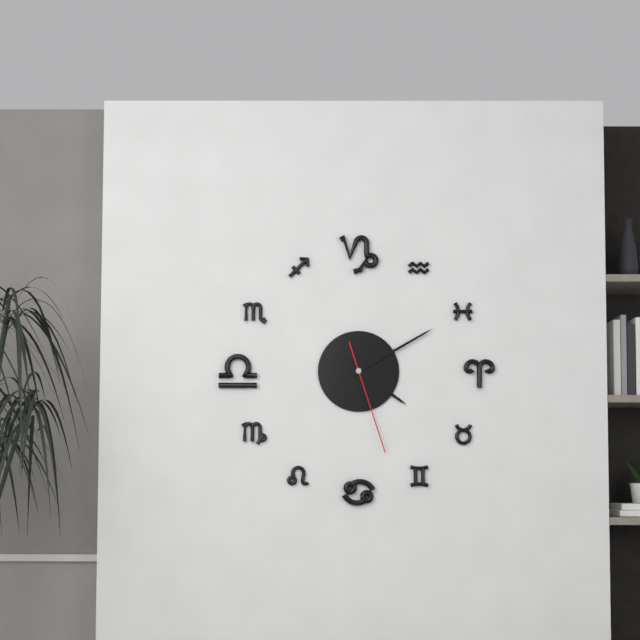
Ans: 4:10:27
